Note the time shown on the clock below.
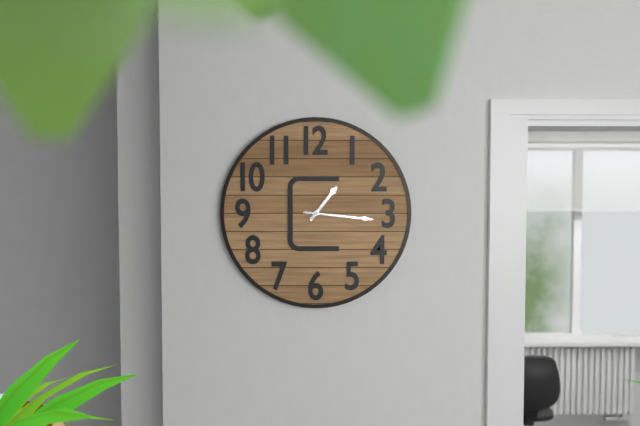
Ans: 1:16
